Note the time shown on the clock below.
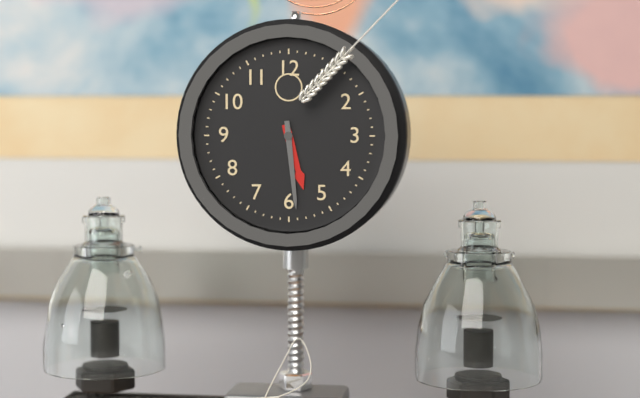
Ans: 5:29
